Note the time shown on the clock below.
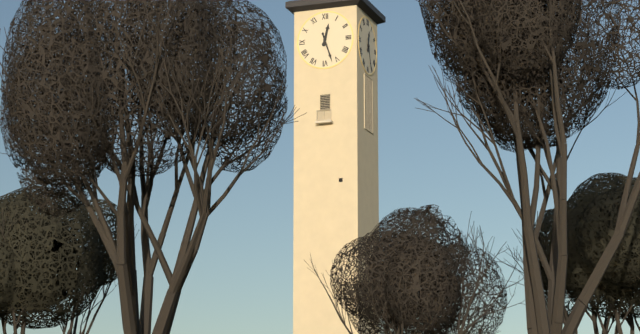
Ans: 12:27
